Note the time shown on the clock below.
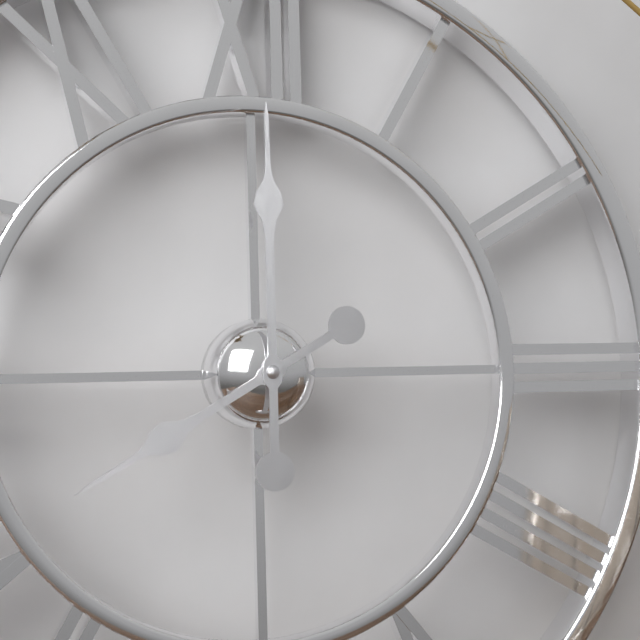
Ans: 8:00
